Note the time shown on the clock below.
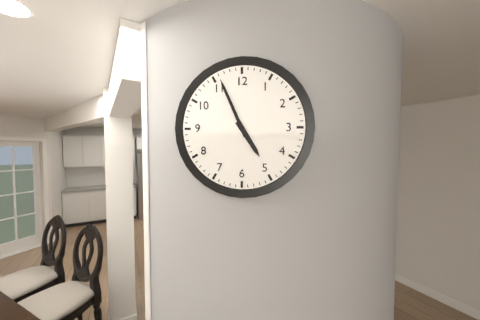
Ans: 4:56
